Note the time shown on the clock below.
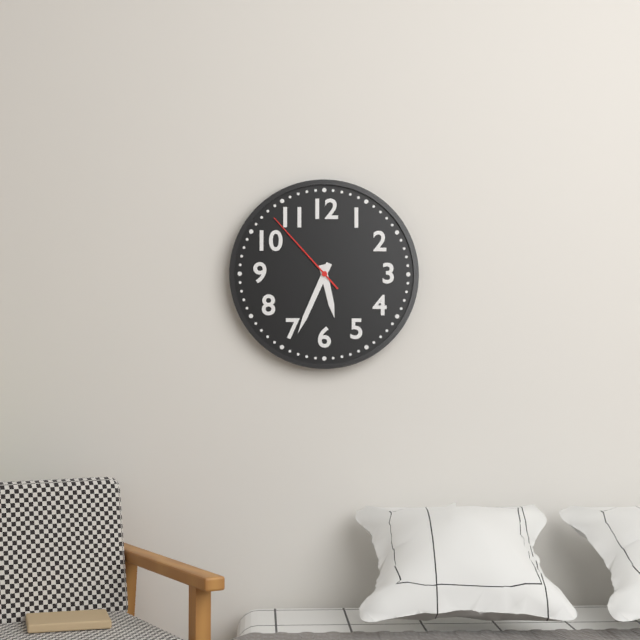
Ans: 5:34:53
